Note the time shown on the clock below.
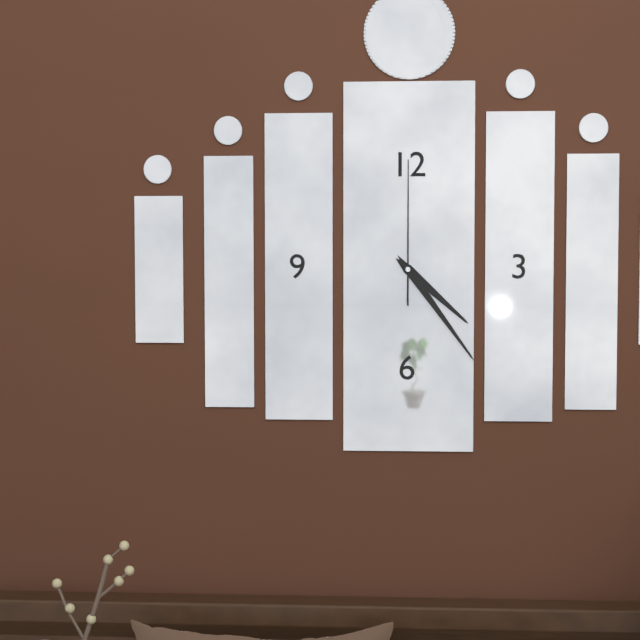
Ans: 4:24:00
